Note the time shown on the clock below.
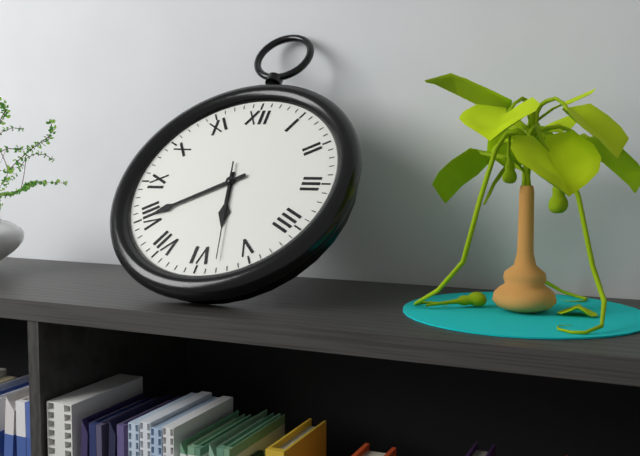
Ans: 5:40:28
